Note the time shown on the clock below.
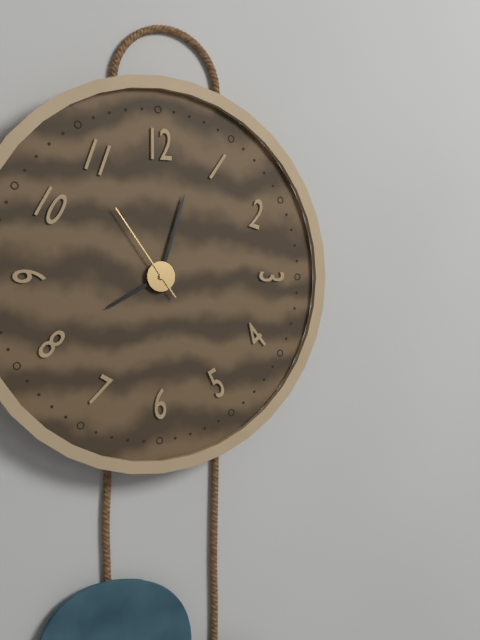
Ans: 8:03:54
